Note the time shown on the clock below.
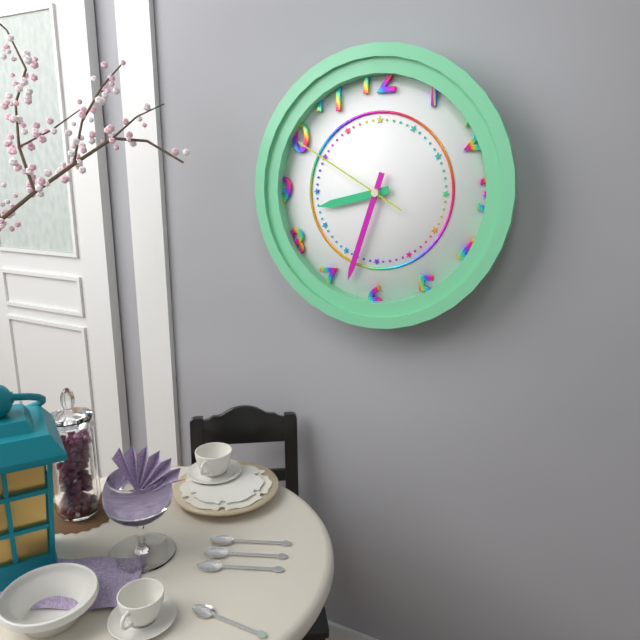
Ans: 8:33:50
